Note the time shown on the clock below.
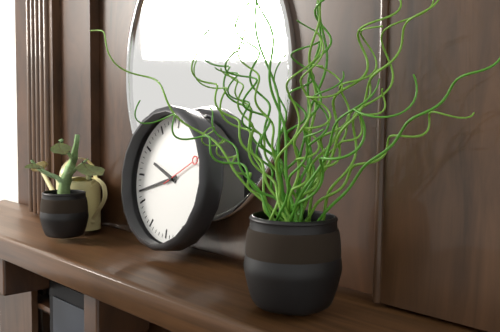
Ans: 9:42
